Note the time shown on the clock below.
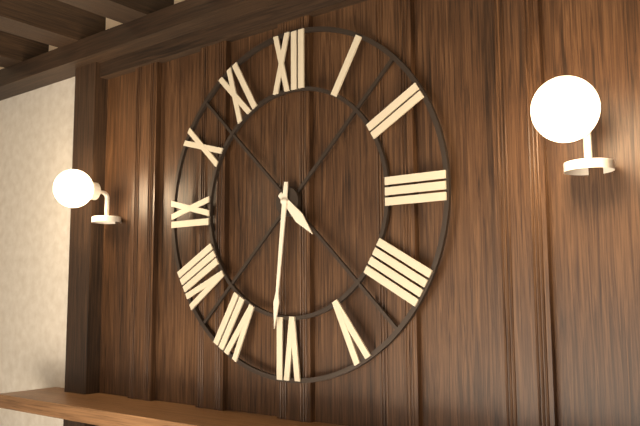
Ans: 4:31
